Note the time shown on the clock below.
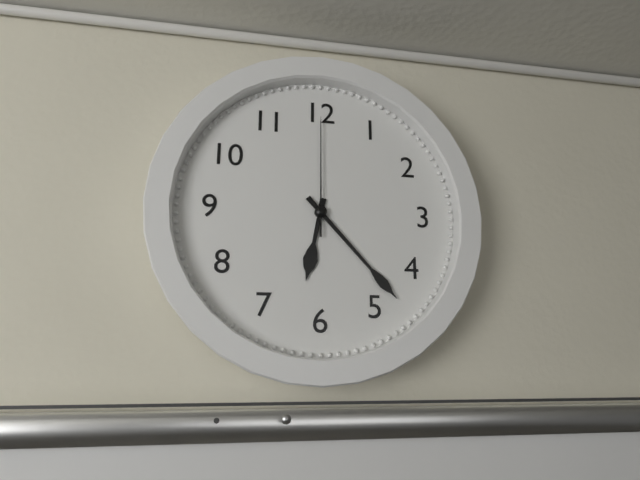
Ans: 6:23:00
